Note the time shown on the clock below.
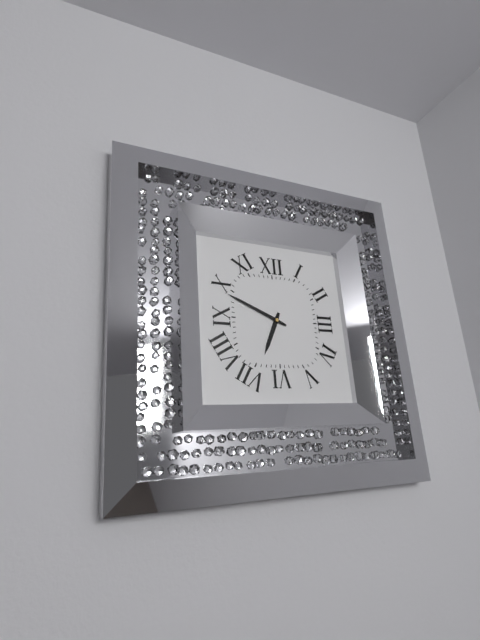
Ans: 6:49
